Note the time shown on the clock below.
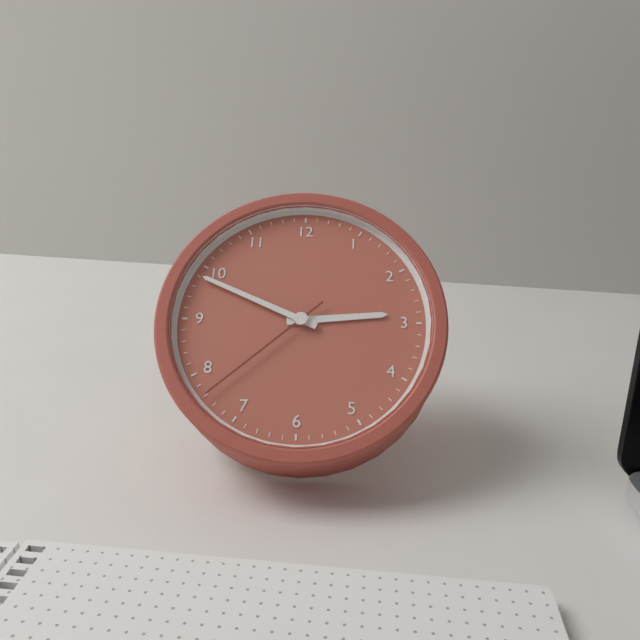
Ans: 2:49:38
